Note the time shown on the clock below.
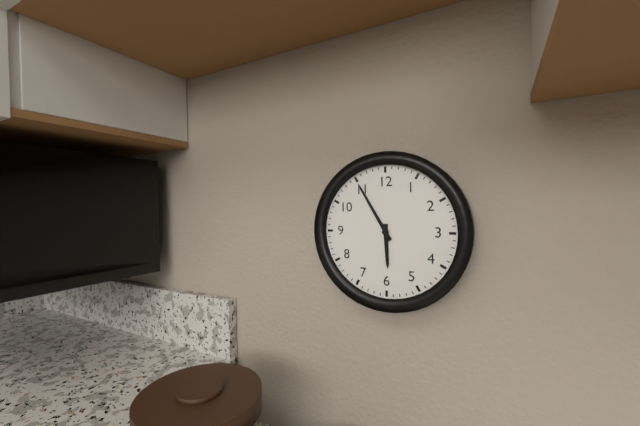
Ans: 5:55
